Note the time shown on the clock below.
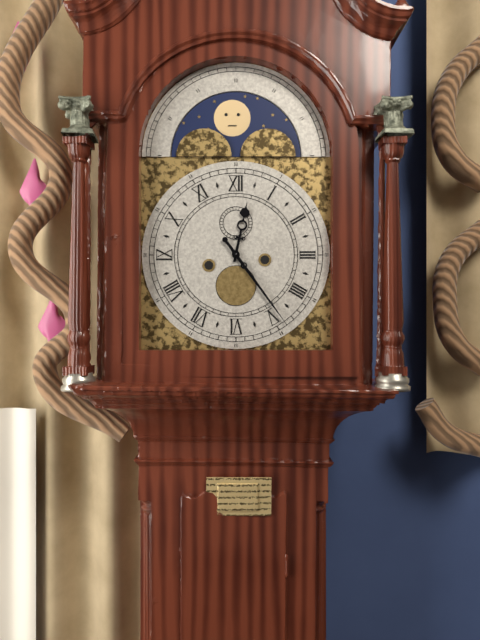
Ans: 12:24
